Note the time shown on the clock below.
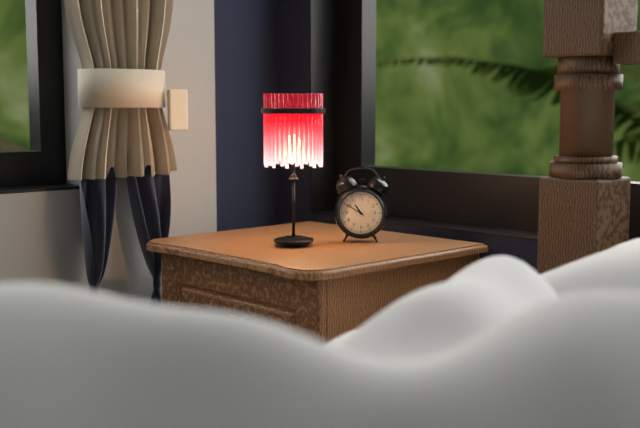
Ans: 10:50
